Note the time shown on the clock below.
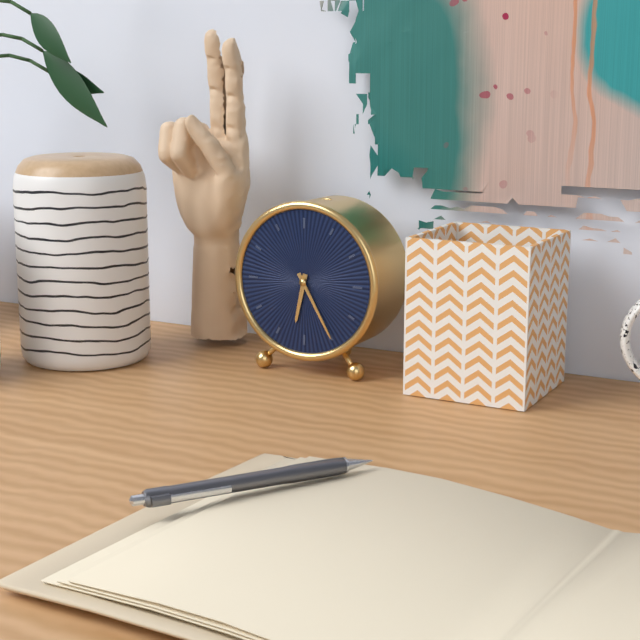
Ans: 6:25
